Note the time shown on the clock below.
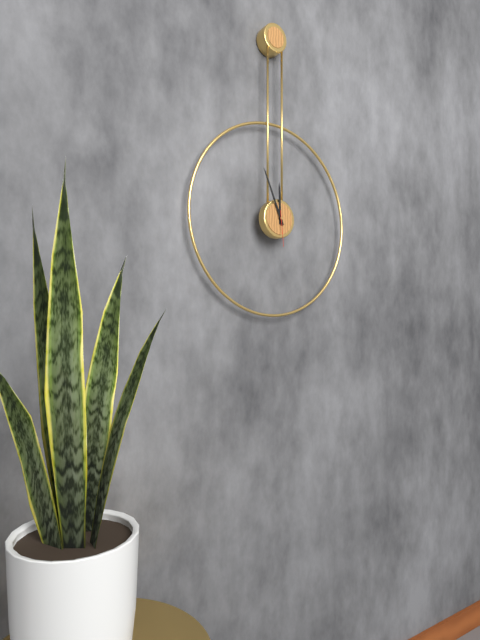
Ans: 11:56
